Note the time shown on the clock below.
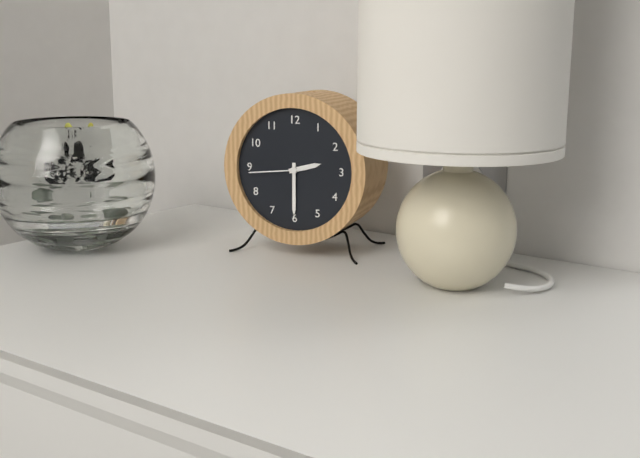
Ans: 2:30:44
